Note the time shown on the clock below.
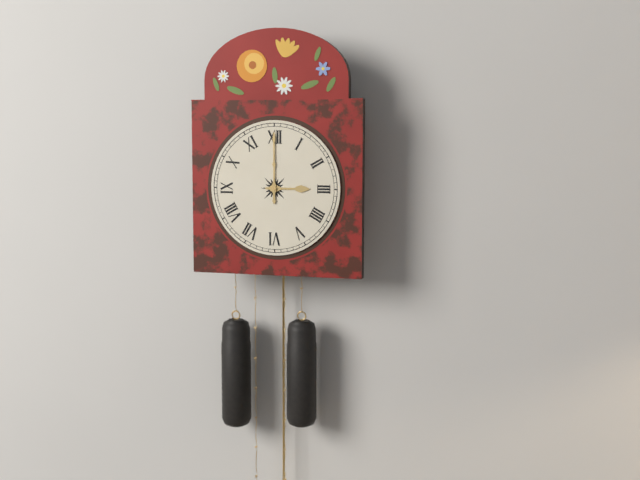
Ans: 3:00
